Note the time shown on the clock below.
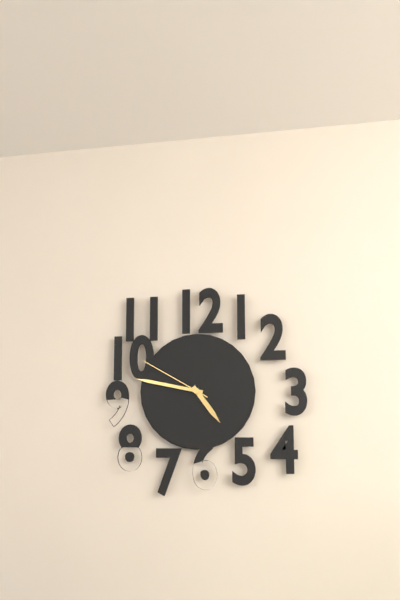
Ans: 4:47:50
